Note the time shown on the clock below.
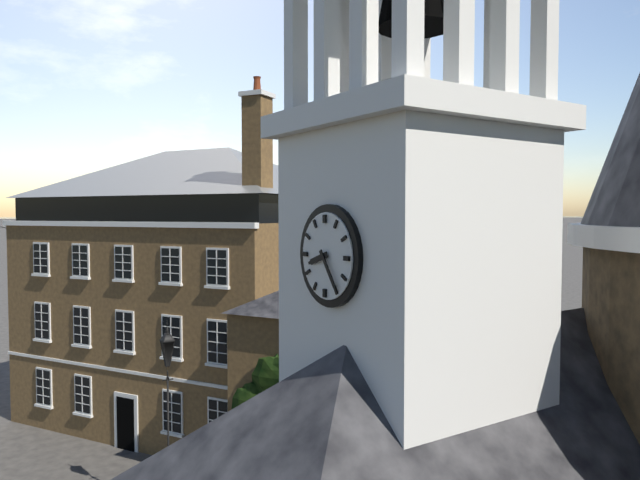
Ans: 8:24
